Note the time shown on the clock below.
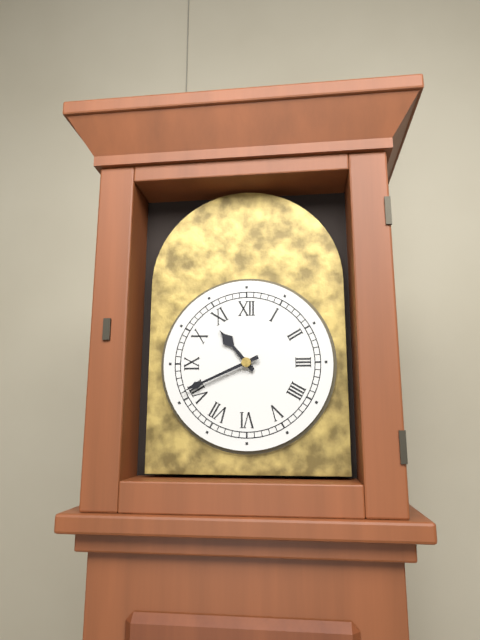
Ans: 10:41
